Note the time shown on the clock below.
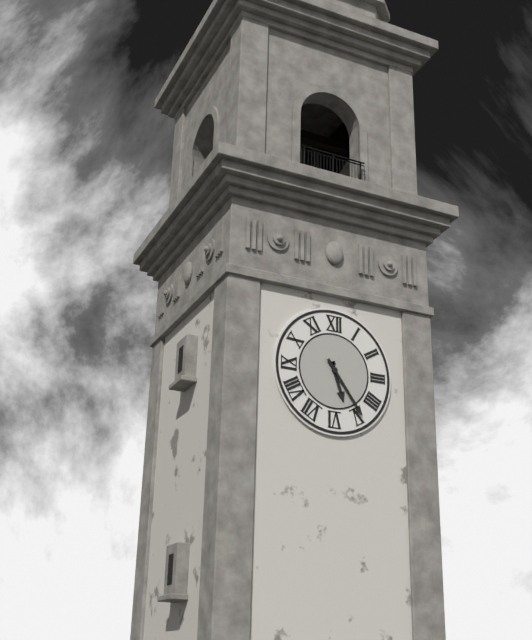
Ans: 5:24
